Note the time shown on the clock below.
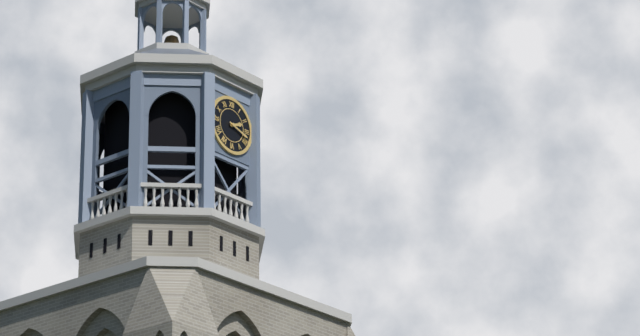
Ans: 2:18
